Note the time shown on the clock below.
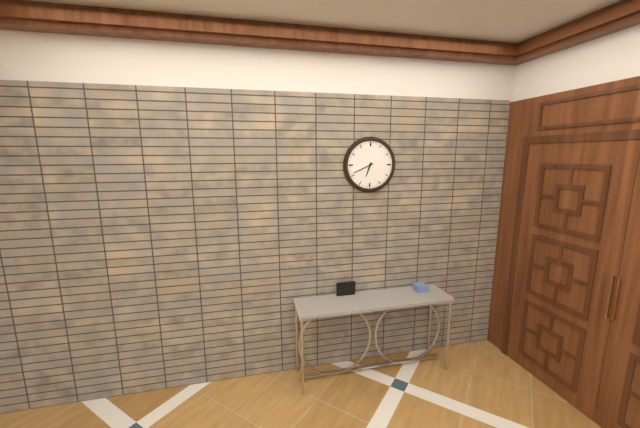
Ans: 6:41
